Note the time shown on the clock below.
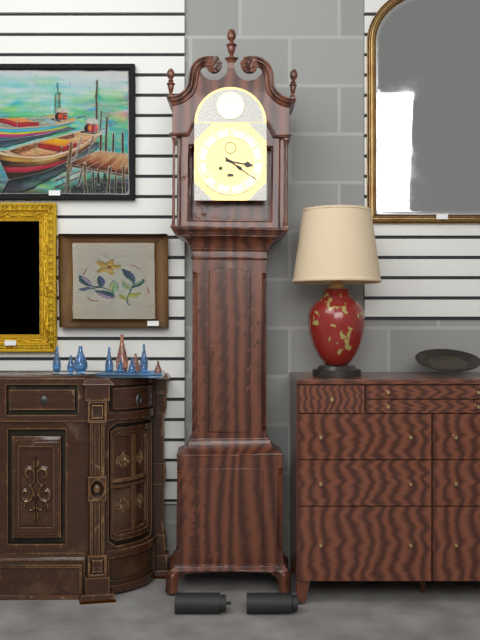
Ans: 3:21
